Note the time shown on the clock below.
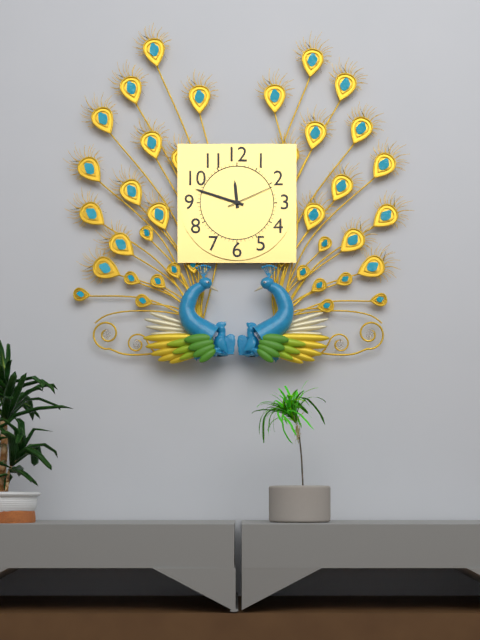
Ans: 11:48
